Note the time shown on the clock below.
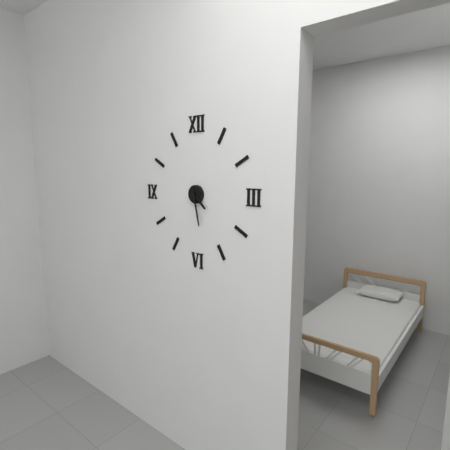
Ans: 4:28
